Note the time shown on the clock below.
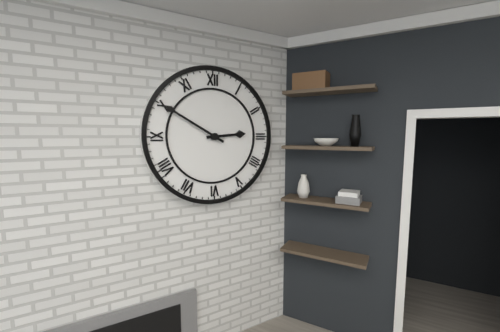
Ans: 2:50
